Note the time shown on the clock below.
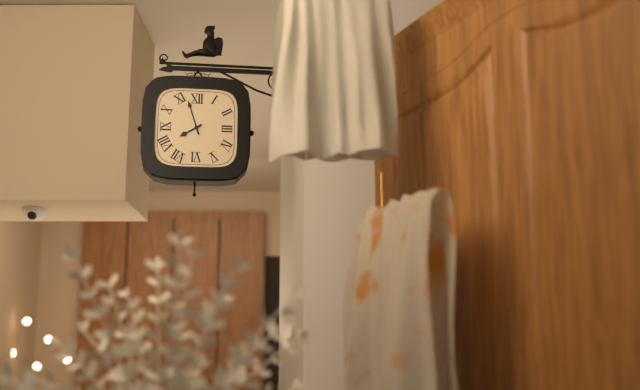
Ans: 7:57
